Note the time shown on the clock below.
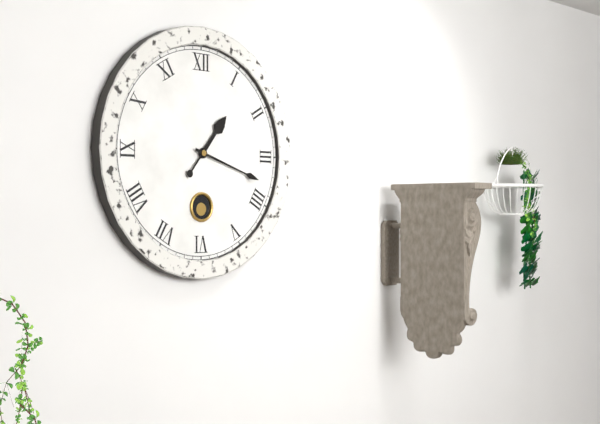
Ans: 1:18
